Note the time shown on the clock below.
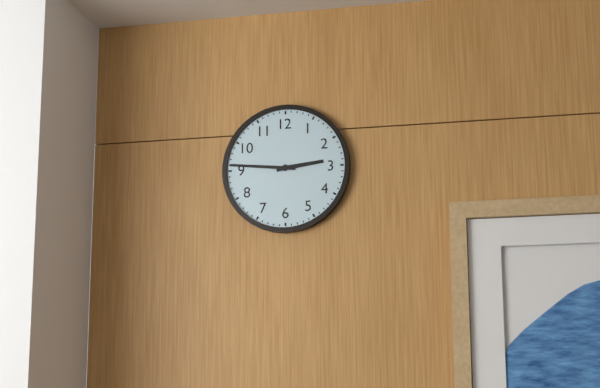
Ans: 2:46
